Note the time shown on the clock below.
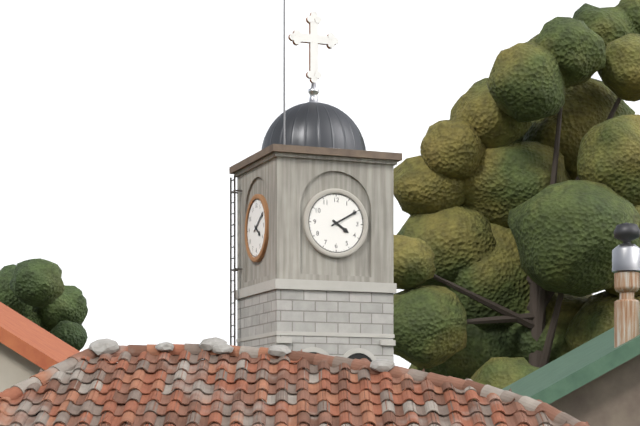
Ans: 4:10
